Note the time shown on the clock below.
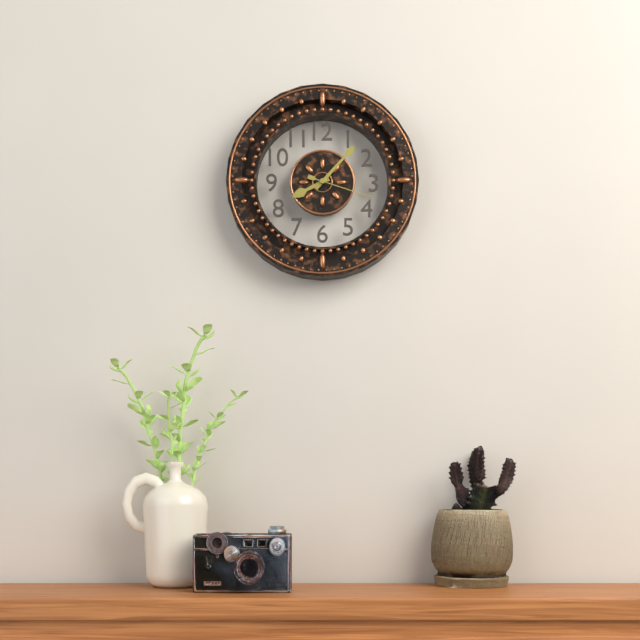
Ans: 8:07:18
